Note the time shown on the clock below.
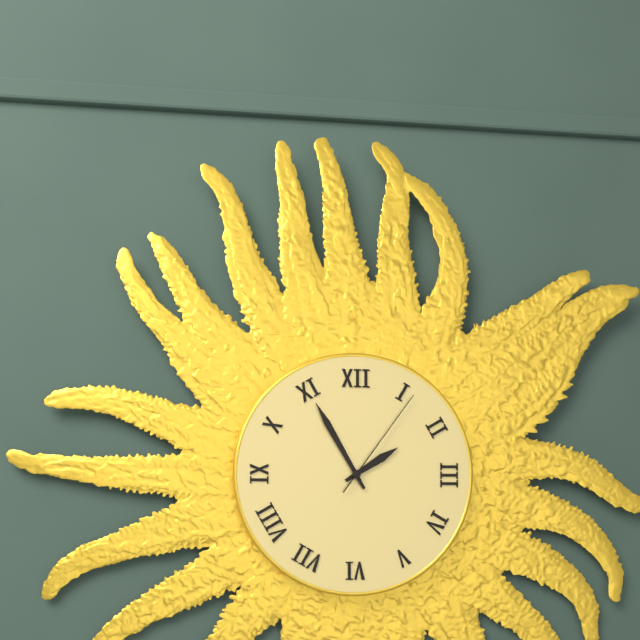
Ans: 1:55:06
